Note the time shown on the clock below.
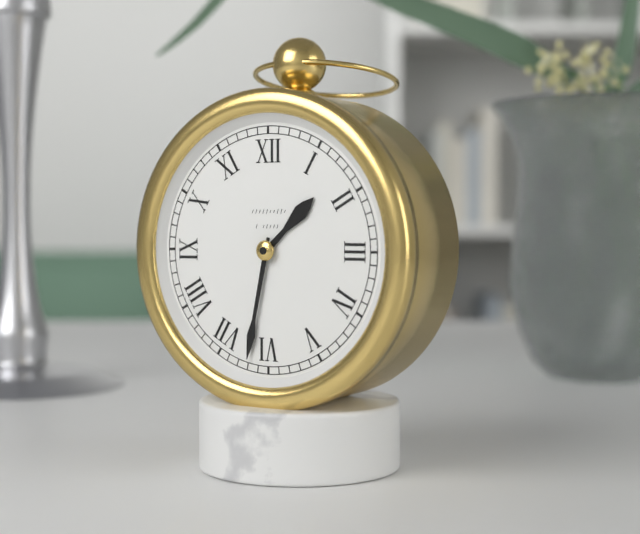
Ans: 1:32
